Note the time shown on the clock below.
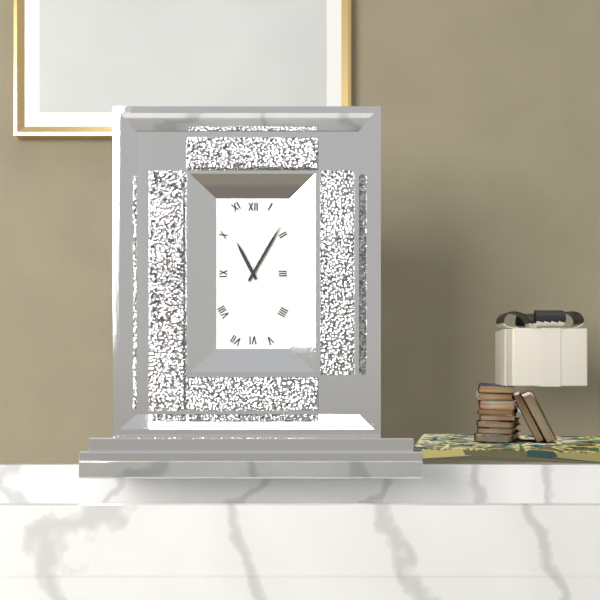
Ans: 11:05
